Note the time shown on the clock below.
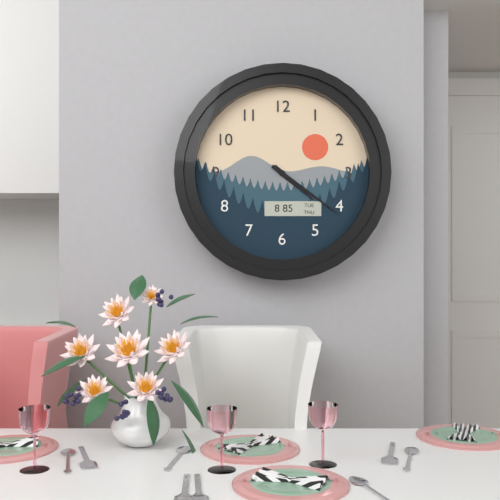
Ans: 4:21
